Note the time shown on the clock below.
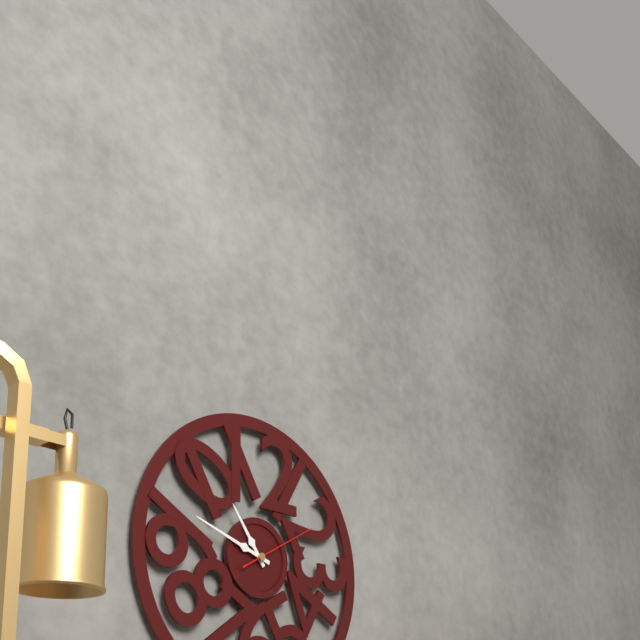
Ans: 10:48:10
